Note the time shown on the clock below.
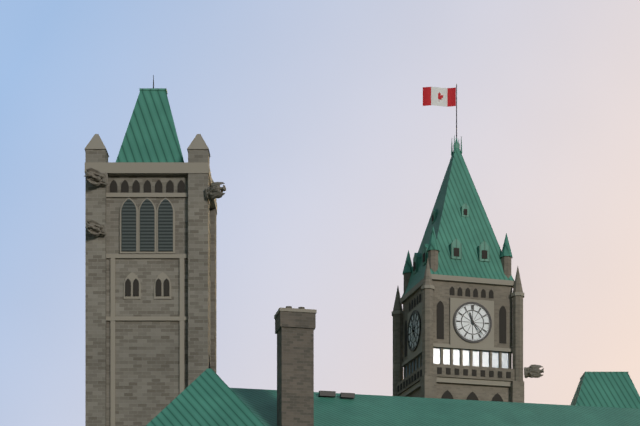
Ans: 11:23
